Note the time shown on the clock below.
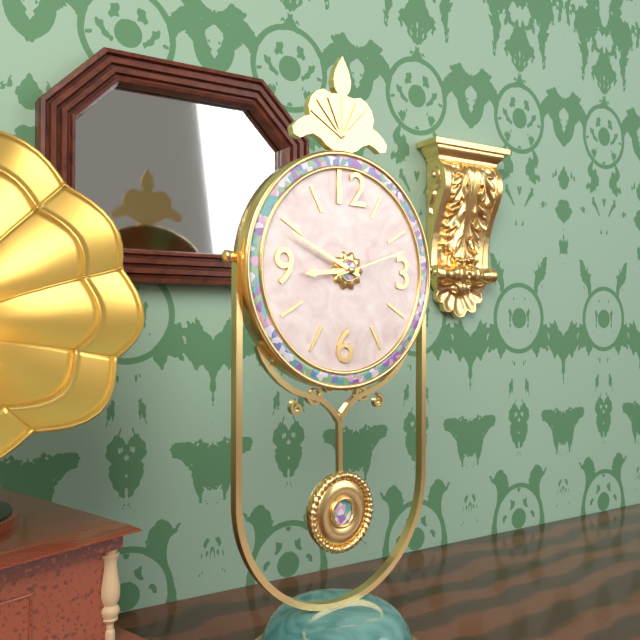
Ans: 8:49:12
